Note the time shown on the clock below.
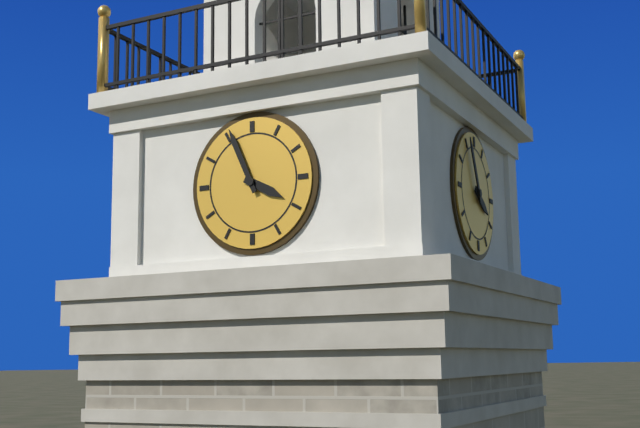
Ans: 3:56
